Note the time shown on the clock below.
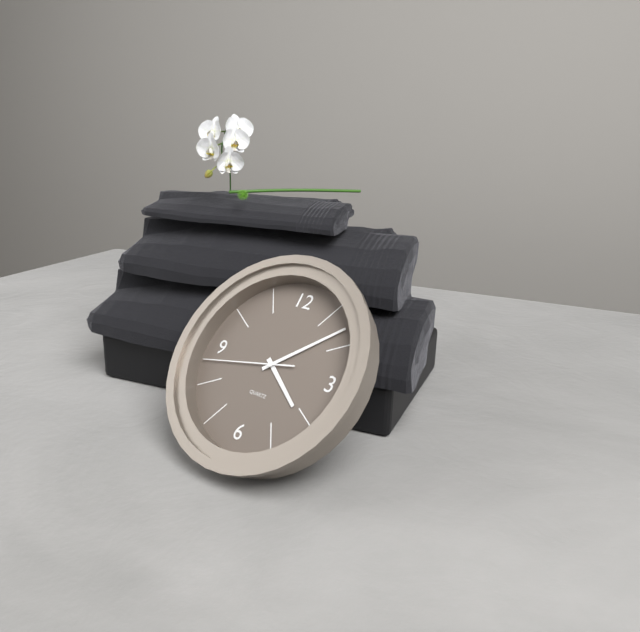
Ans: 4:08:43
